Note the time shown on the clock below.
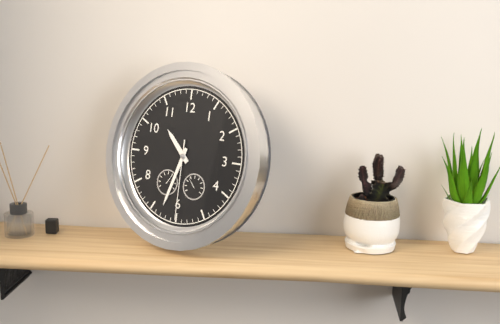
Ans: 10:33:30
